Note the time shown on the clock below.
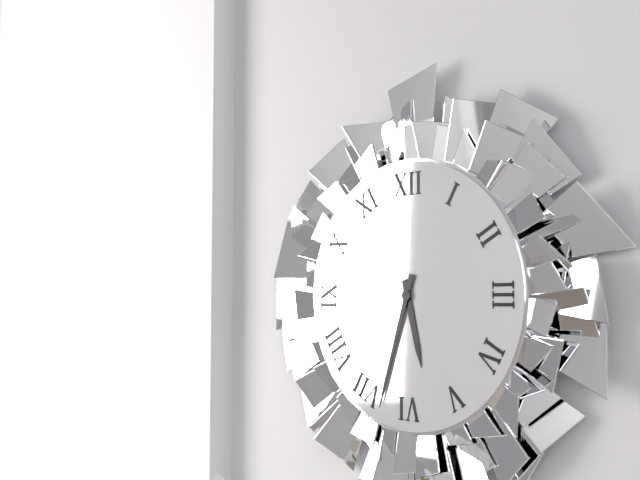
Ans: 5:33
